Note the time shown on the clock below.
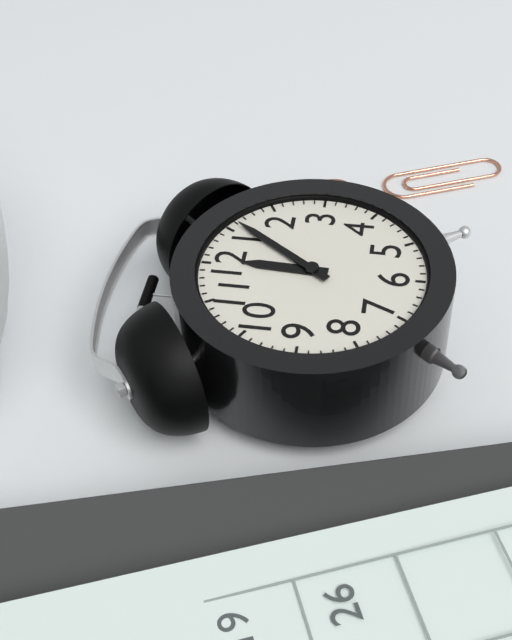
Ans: 12:06
